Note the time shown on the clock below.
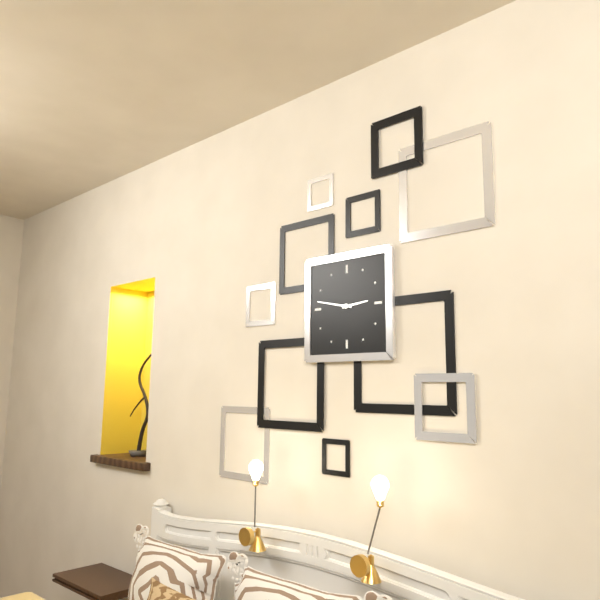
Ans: 2:47
